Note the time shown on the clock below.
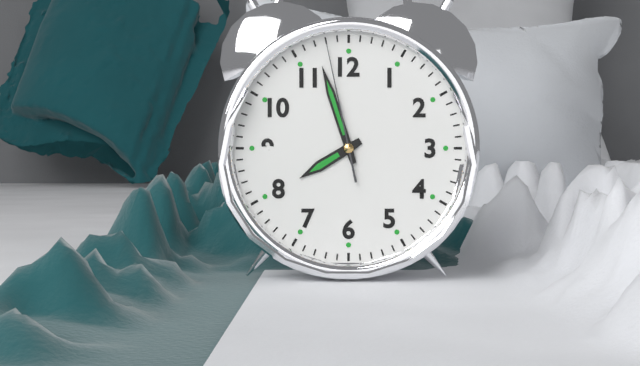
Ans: 7:57:58
